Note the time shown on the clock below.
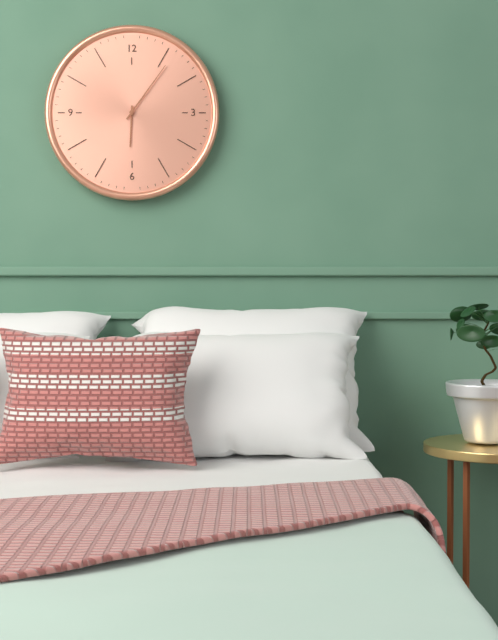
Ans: 6:06
